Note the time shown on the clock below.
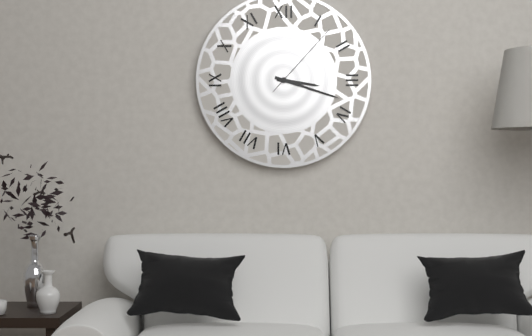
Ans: 3:18:07
